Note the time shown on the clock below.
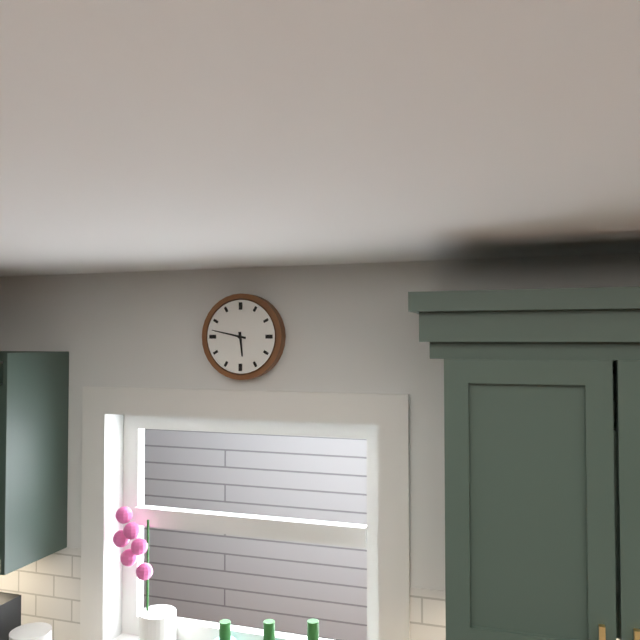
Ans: 5:47
